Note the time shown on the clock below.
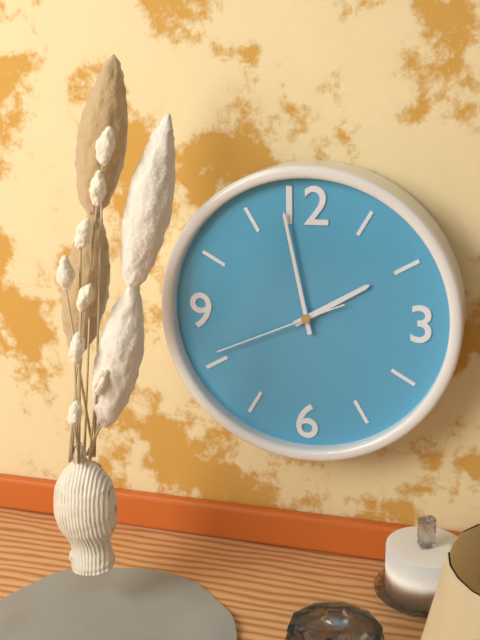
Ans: 1:58:41
